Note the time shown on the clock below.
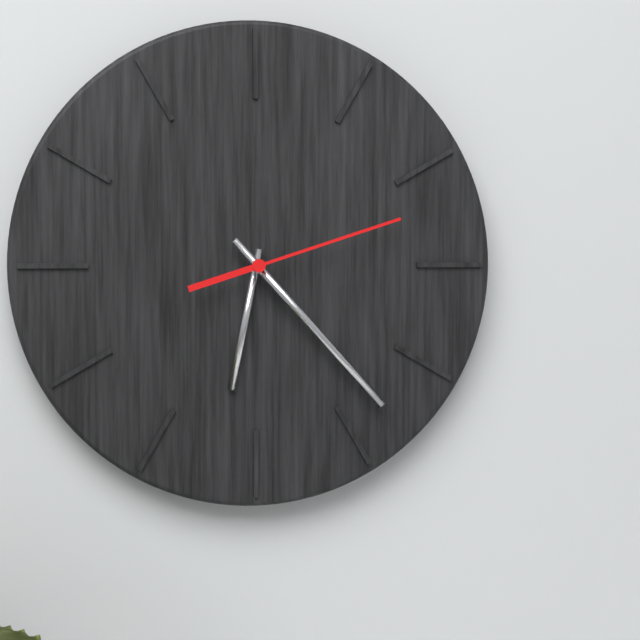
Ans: 6:23:12
